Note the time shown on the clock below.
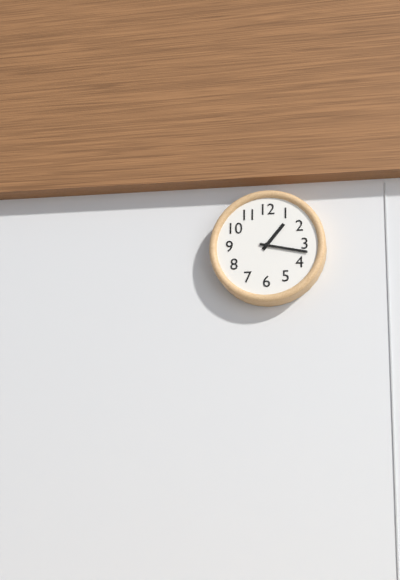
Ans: 1:17
